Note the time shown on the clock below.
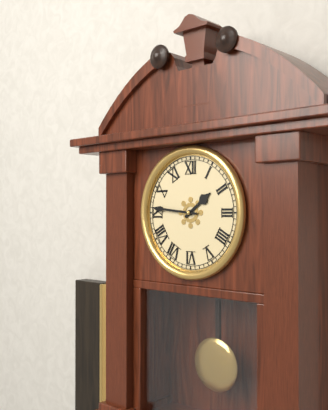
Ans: 1:46
